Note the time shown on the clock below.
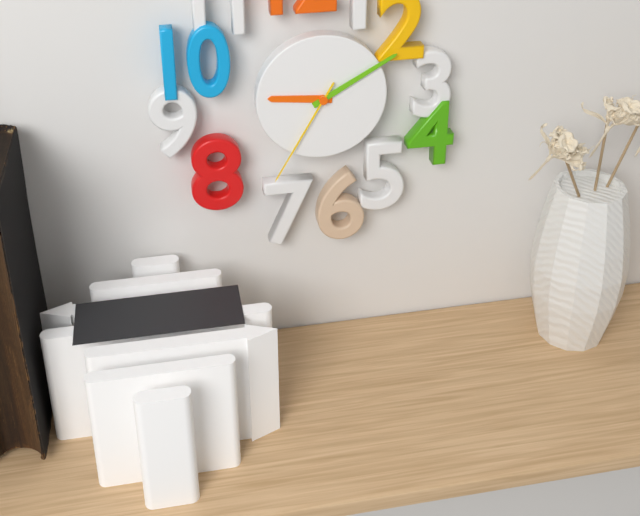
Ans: 9:10:35
